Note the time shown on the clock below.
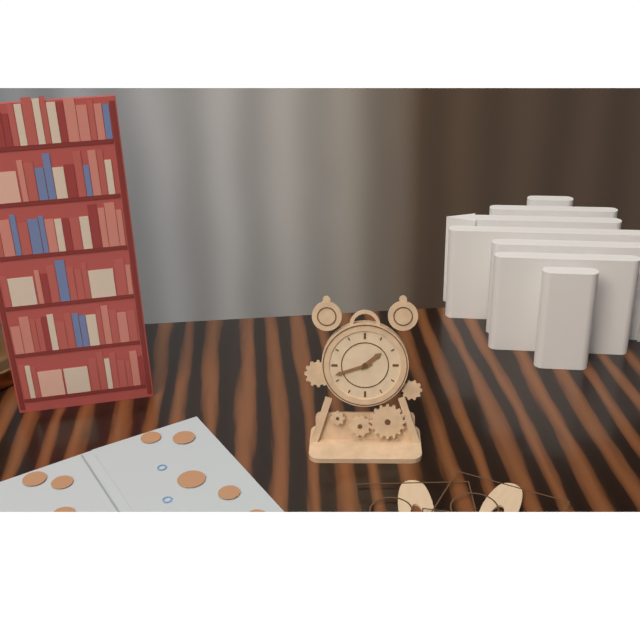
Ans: 1:42
